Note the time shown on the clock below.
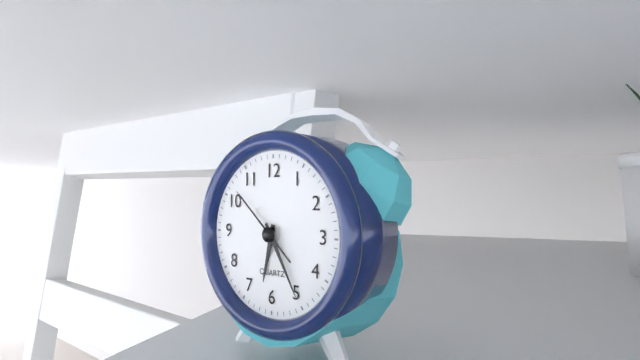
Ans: 6:25:52
